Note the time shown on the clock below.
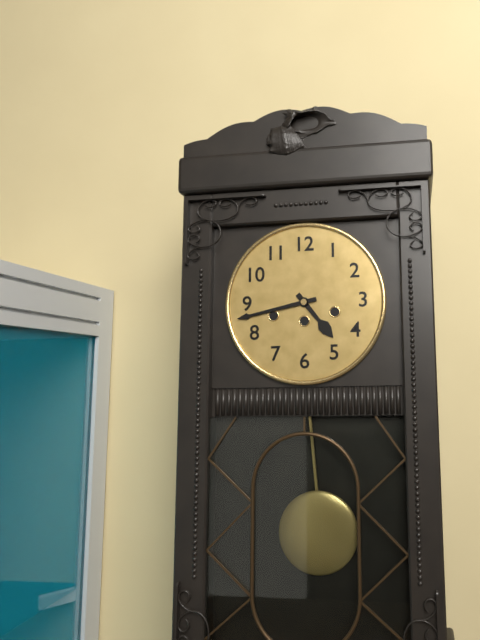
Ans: 4:43
